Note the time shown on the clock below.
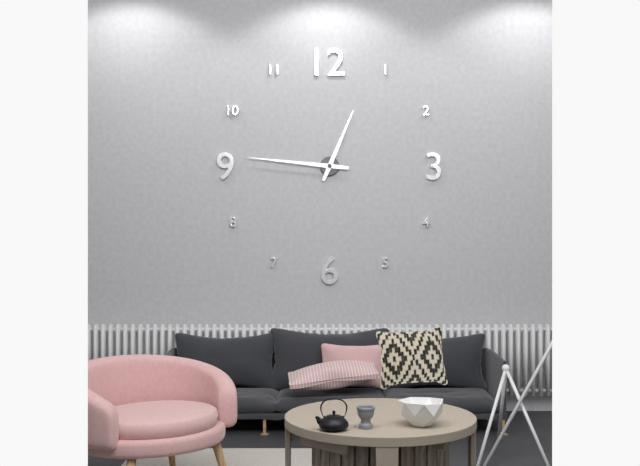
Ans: 12:46
